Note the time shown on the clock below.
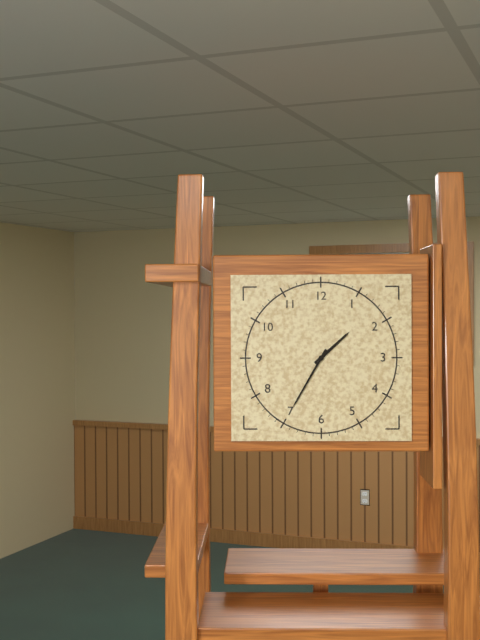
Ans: 1:35
